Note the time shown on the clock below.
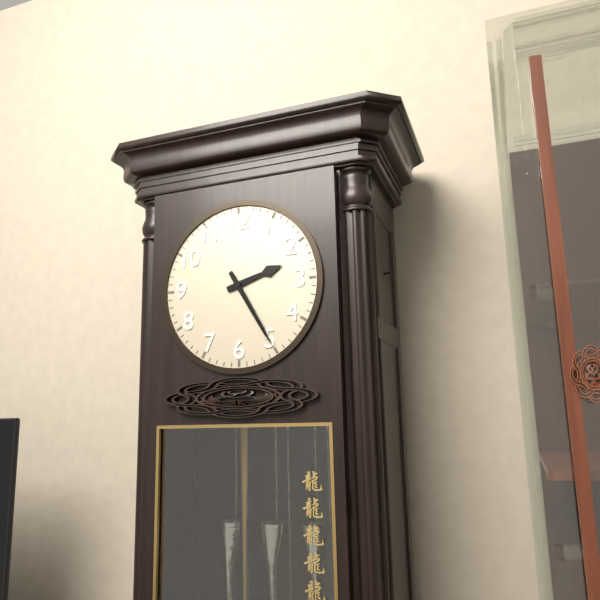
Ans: 2:25
